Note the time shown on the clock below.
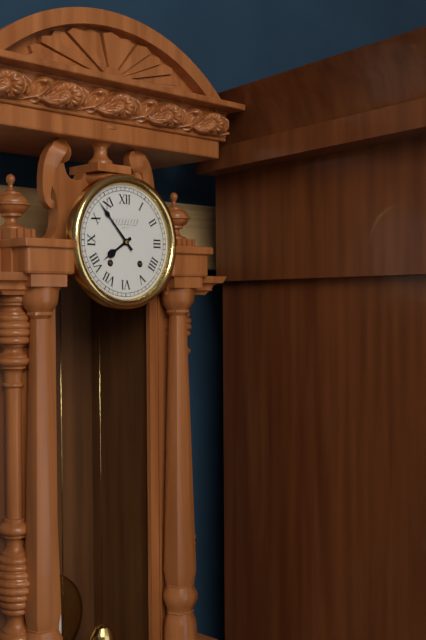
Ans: 7:53
